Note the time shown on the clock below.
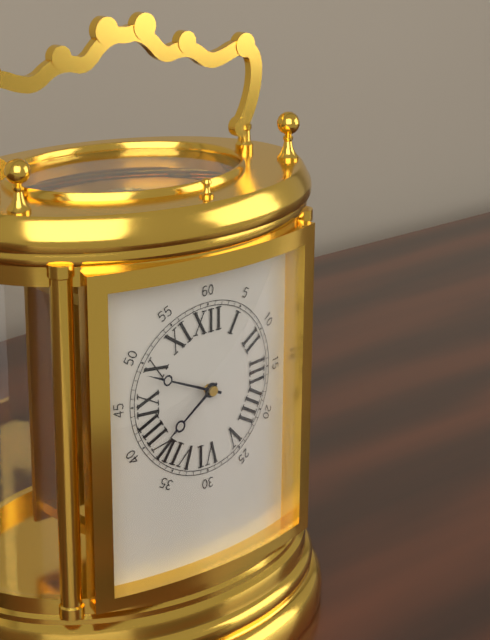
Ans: 7:49
